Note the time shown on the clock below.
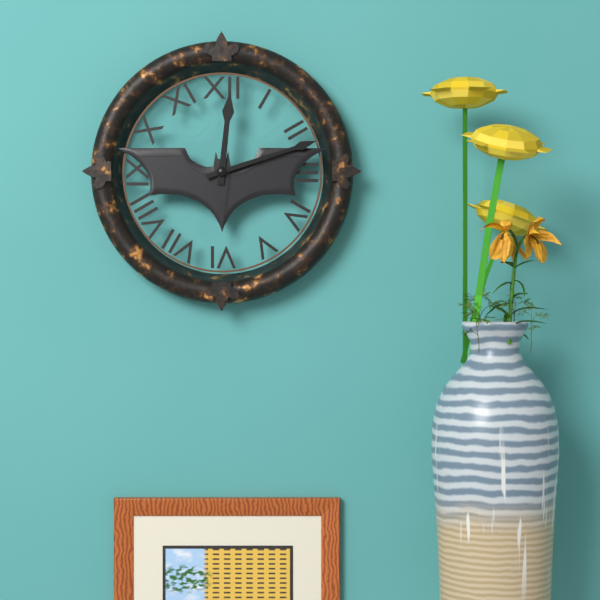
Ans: 12:12
